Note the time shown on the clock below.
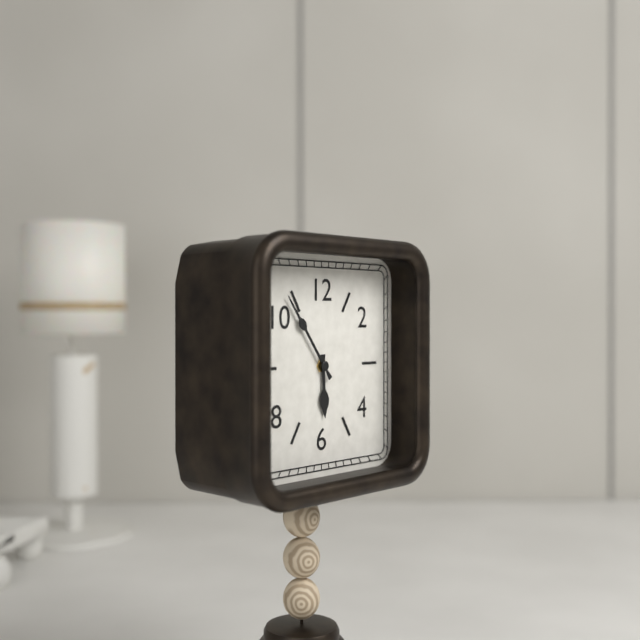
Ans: 5:54
